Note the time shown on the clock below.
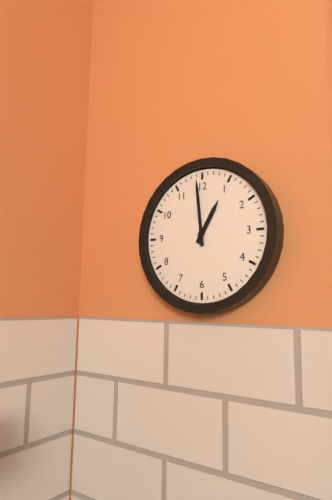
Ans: 12:59
